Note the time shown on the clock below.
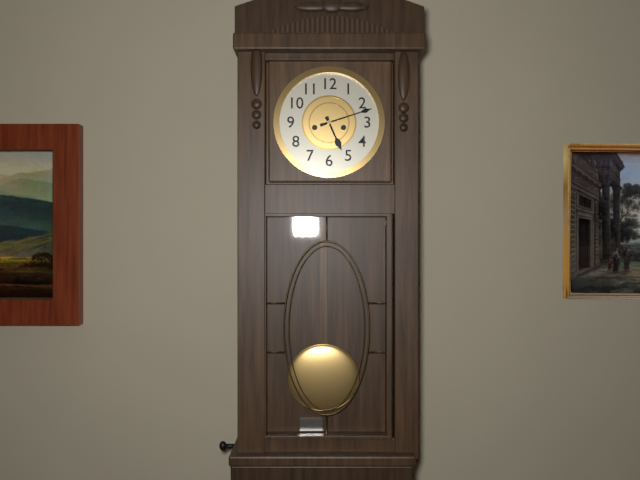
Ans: 5:12
